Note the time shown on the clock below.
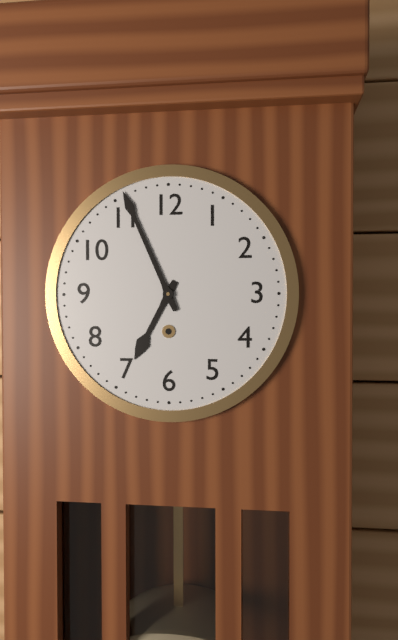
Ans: 6:56
